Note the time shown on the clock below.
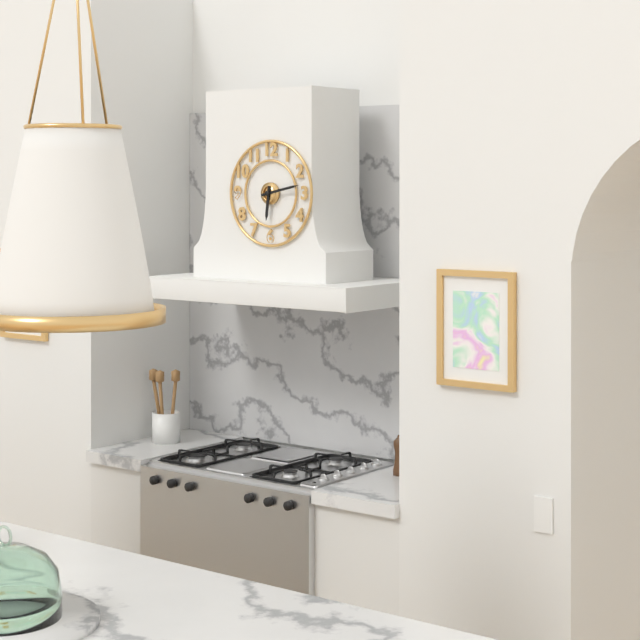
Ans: 6:13
